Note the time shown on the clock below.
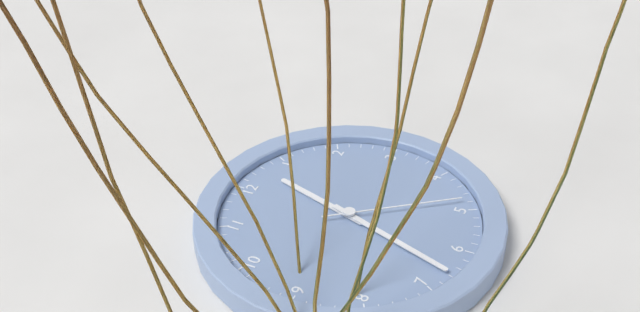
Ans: 12:33:24
